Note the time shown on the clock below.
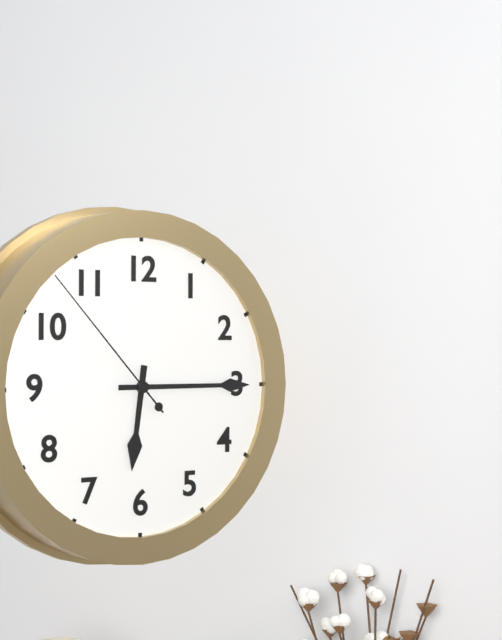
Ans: 6:15:53
